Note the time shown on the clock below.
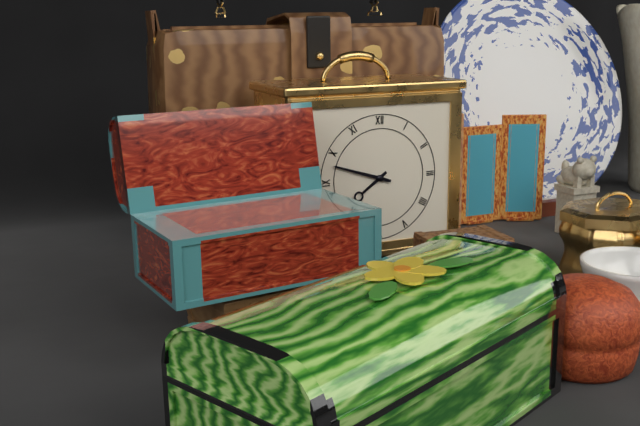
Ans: 7:48
